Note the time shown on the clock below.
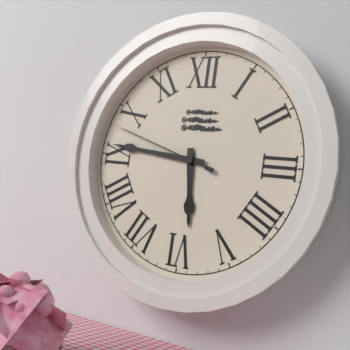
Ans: 5:46:48
